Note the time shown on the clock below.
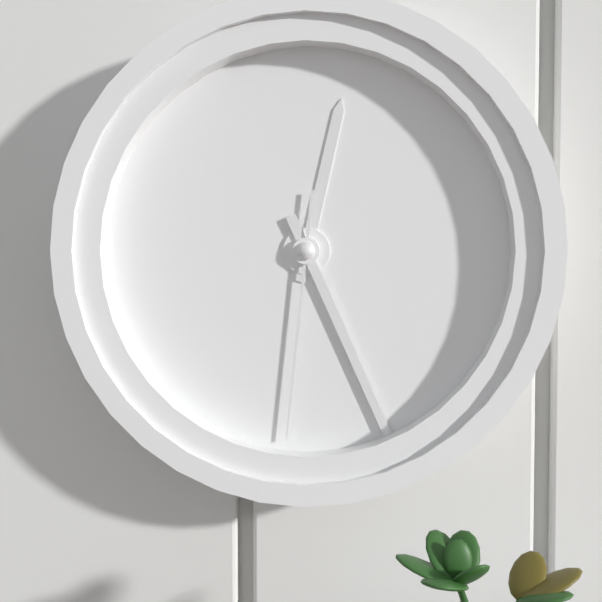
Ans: 12:26:31
